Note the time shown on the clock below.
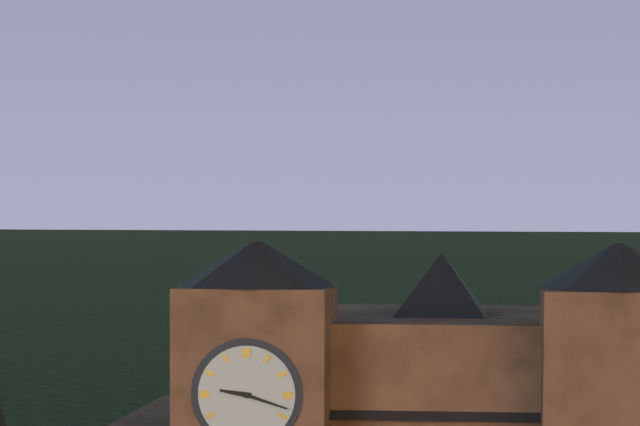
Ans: 9:18
